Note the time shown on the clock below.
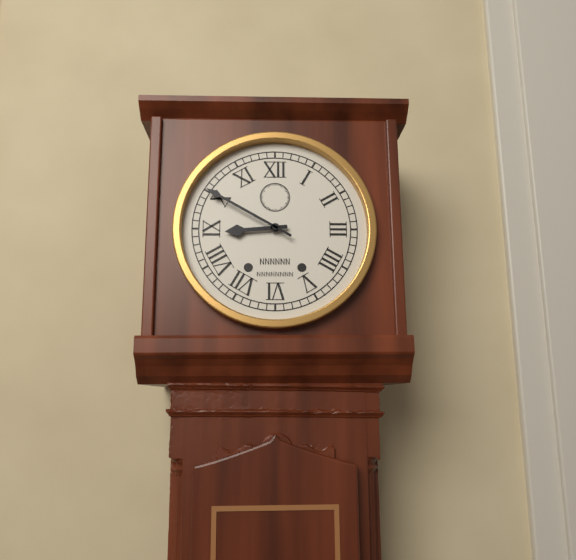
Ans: 8:50
